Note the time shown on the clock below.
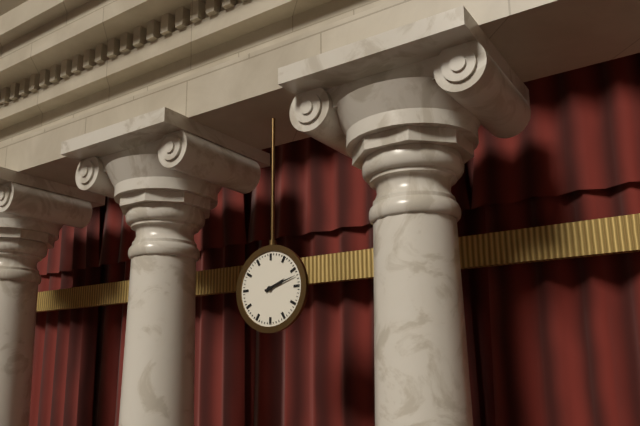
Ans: 2:12
